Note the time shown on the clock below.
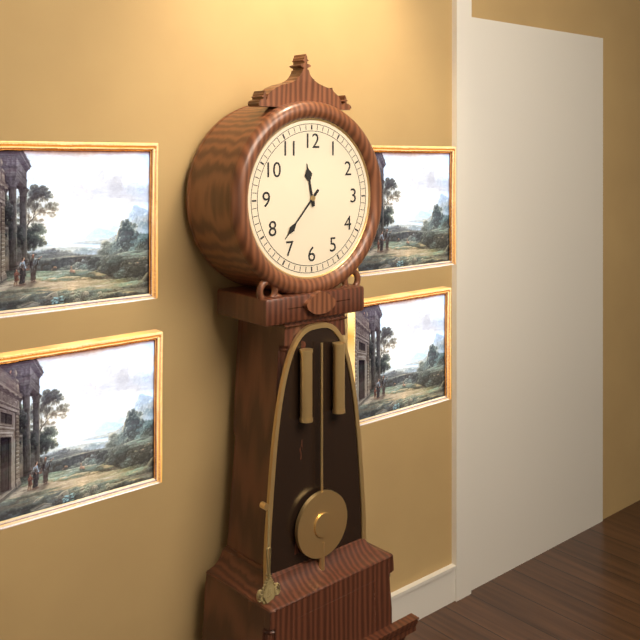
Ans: 11:37
